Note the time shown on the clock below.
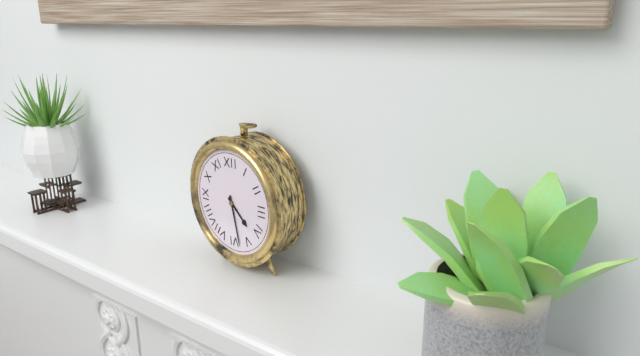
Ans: 4:28
